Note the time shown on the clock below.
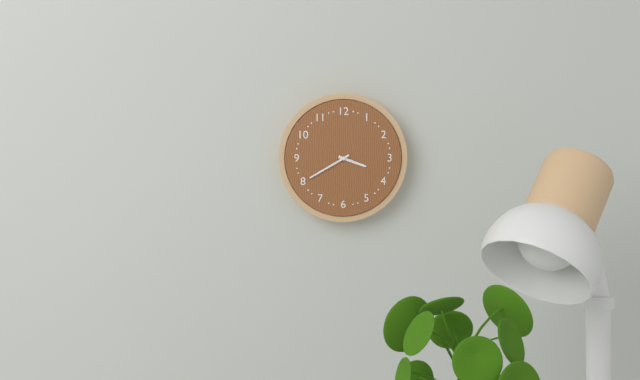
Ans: 3:40
